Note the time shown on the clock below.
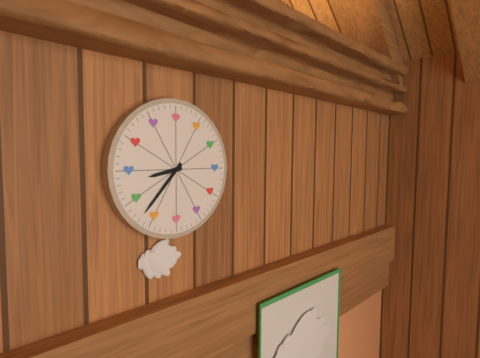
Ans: 8:37
